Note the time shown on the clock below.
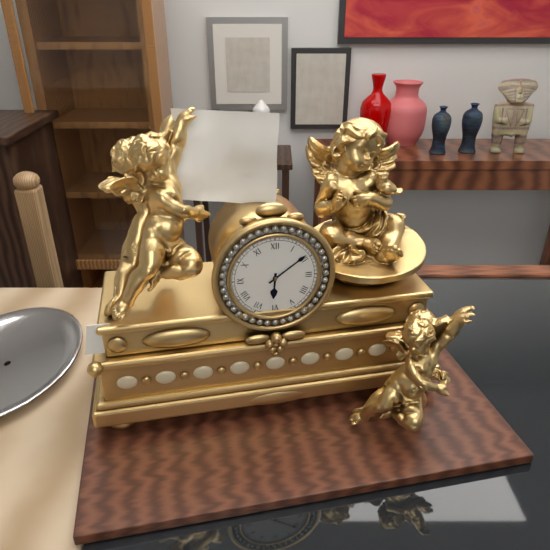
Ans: 6:09
